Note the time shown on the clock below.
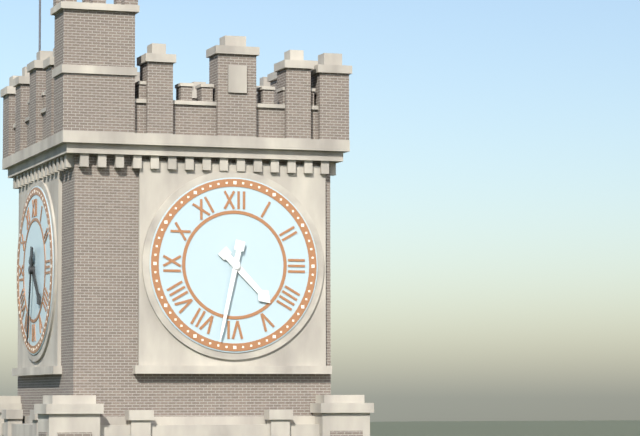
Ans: 4:32
